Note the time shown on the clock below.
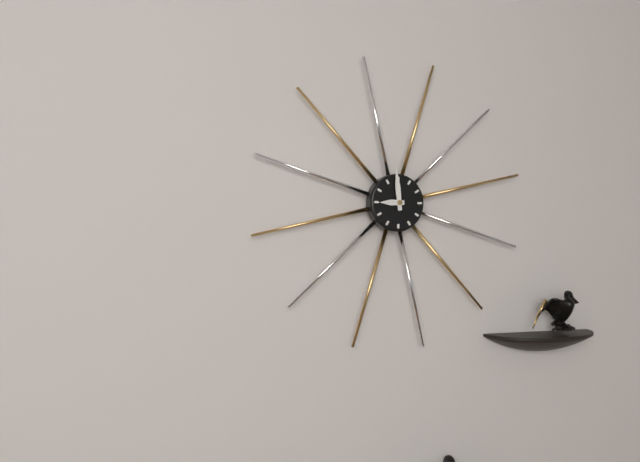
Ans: 8:59
